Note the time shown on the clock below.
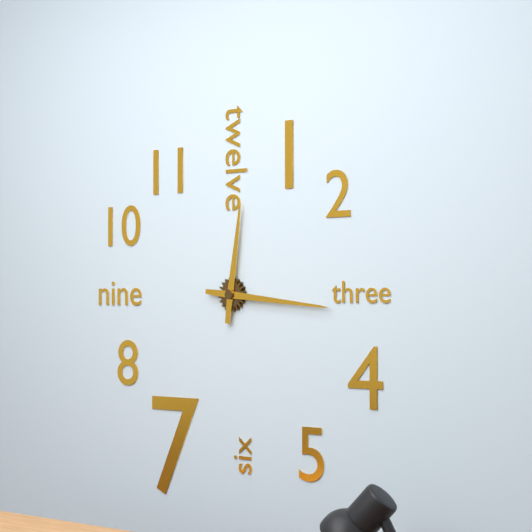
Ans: 12:16
